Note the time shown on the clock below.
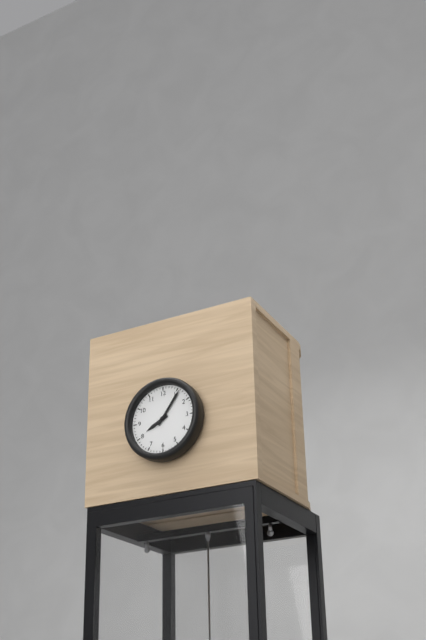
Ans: 8:06
